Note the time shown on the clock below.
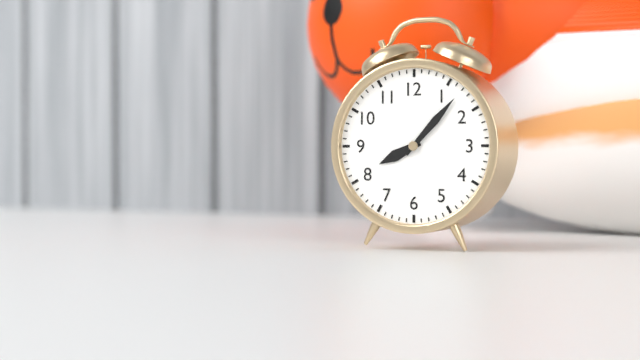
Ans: 8:07
